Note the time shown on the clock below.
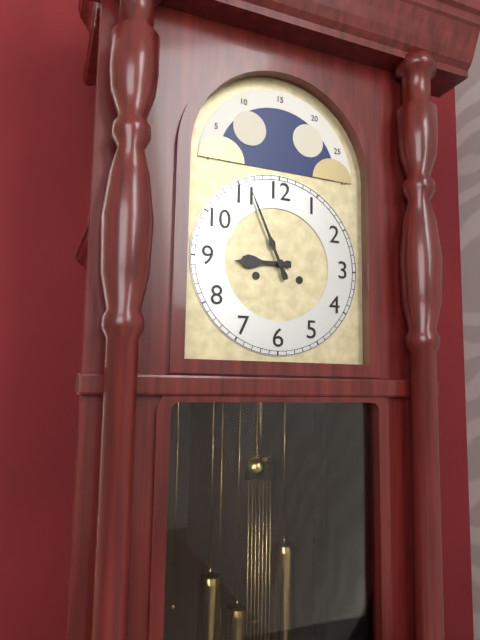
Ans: 8:56
